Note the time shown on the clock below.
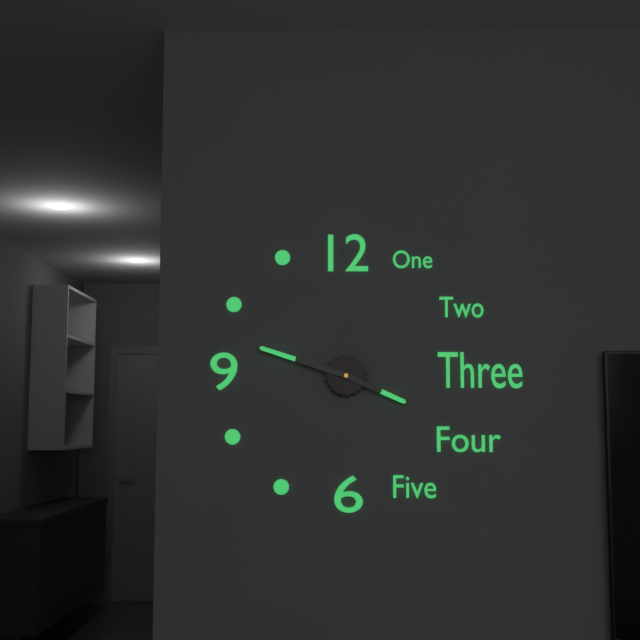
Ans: 3:48
